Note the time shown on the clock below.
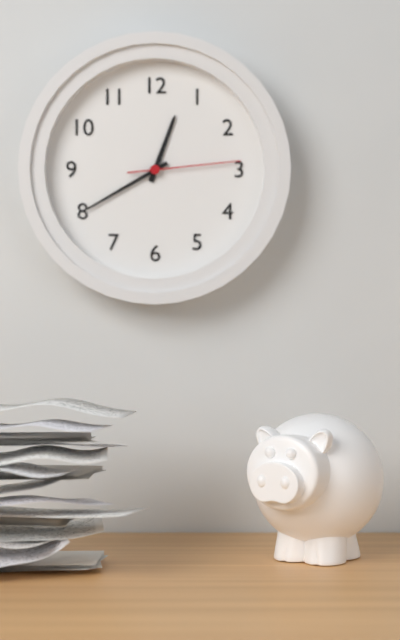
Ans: 12:40:14
